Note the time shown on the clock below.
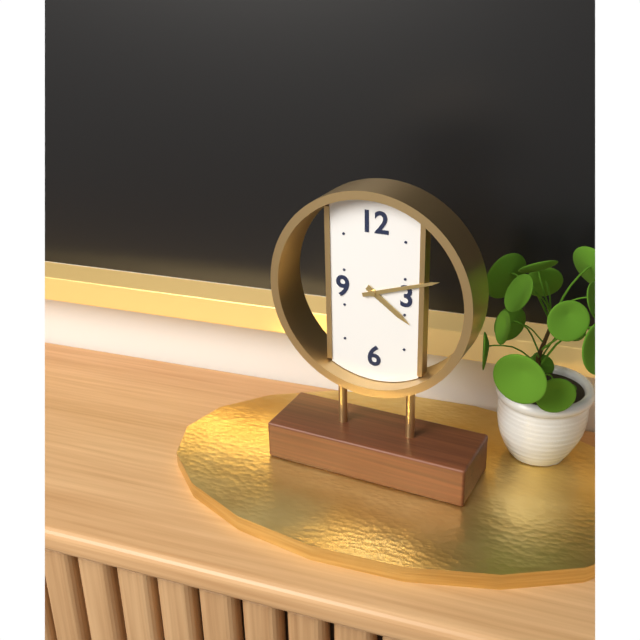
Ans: 4:12
